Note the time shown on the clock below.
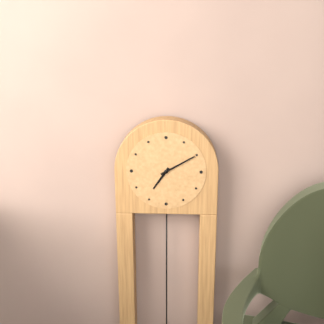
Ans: 7:10
